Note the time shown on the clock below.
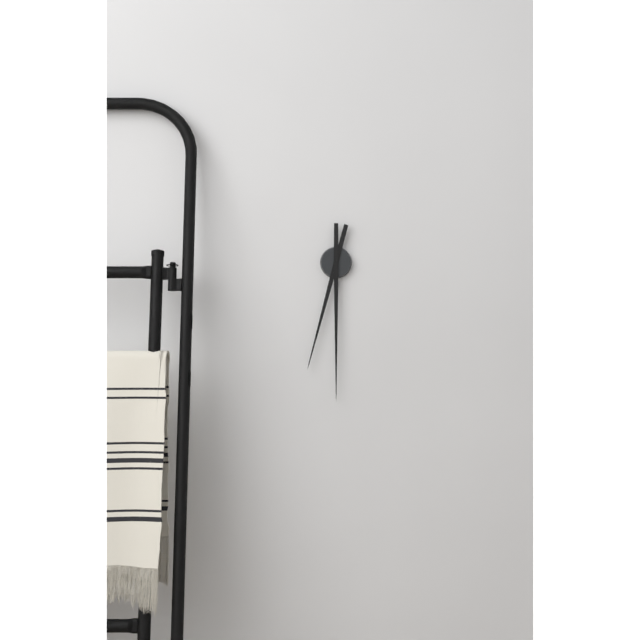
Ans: 6:30
